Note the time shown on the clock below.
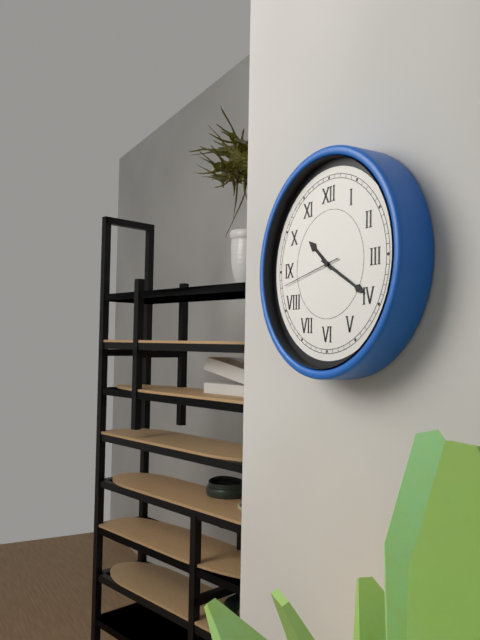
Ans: 10:20:43
